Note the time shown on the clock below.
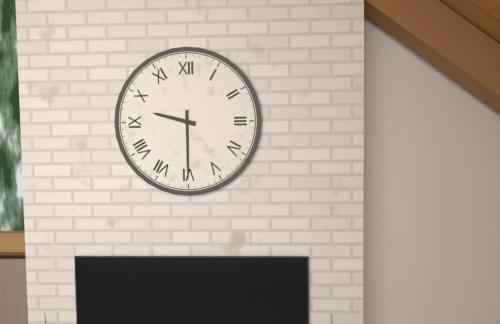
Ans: 9:30
